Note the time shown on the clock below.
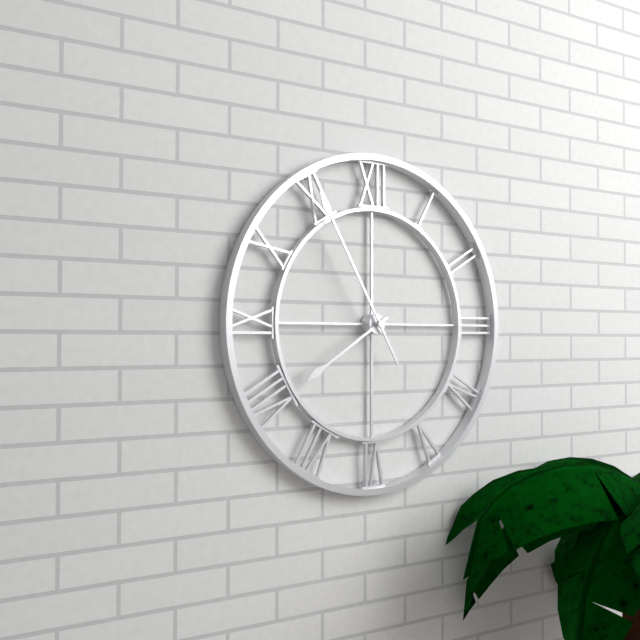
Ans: 7:55
